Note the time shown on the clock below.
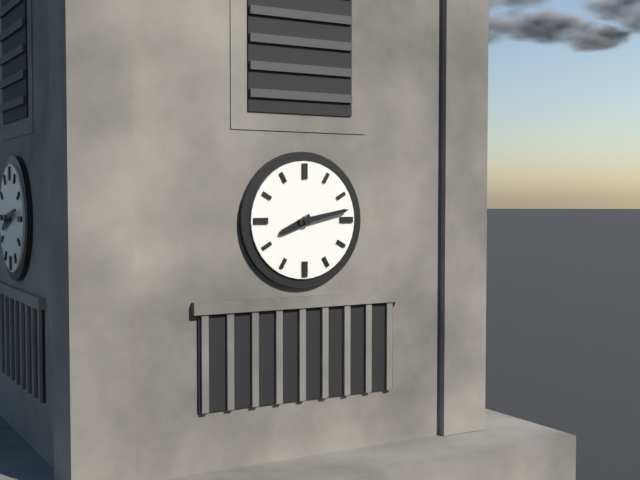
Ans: 8:13
